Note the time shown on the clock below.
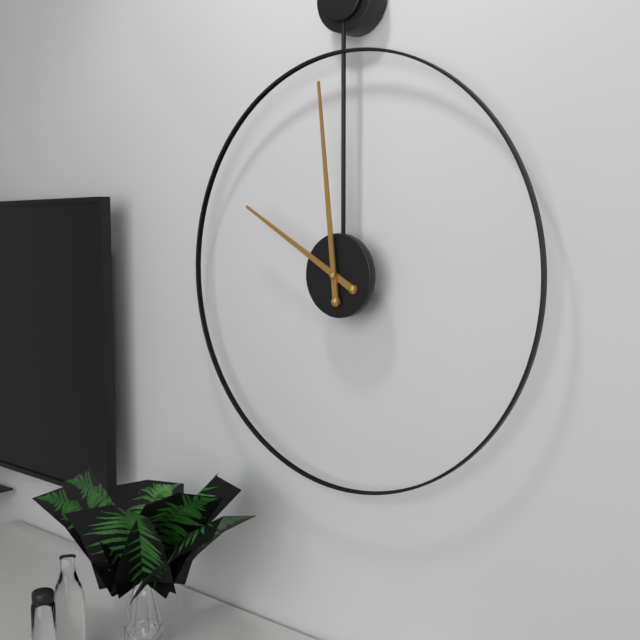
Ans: 9:59
